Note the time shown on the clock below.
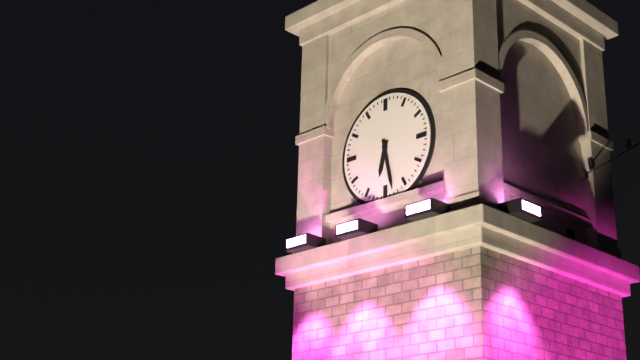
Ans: 6:28
